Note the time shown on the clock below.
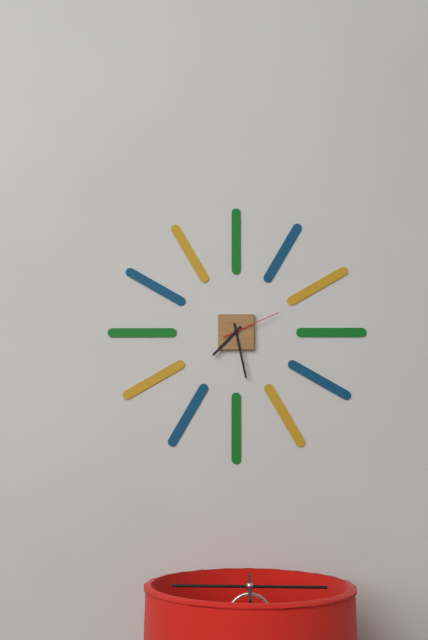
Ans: 7:28:11
